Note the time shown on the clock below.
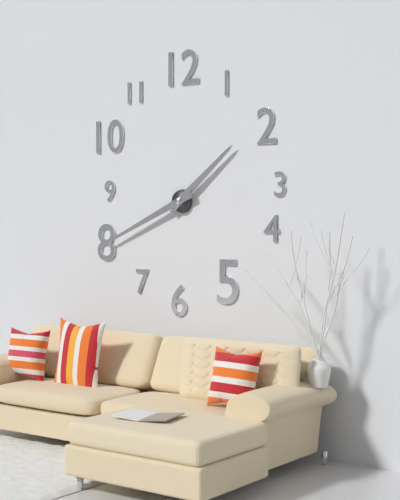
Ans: 1:41
